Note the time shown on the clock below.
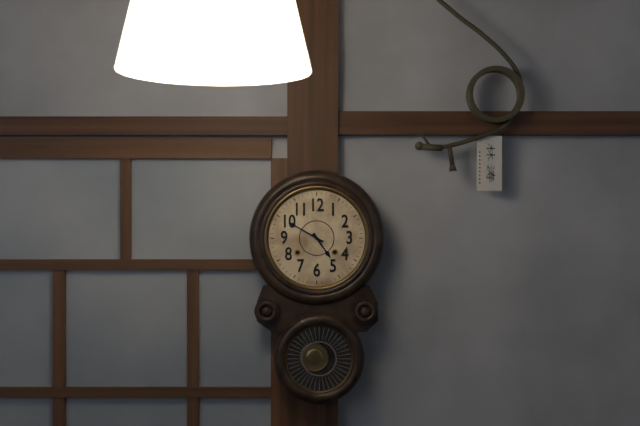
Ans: 4:50
